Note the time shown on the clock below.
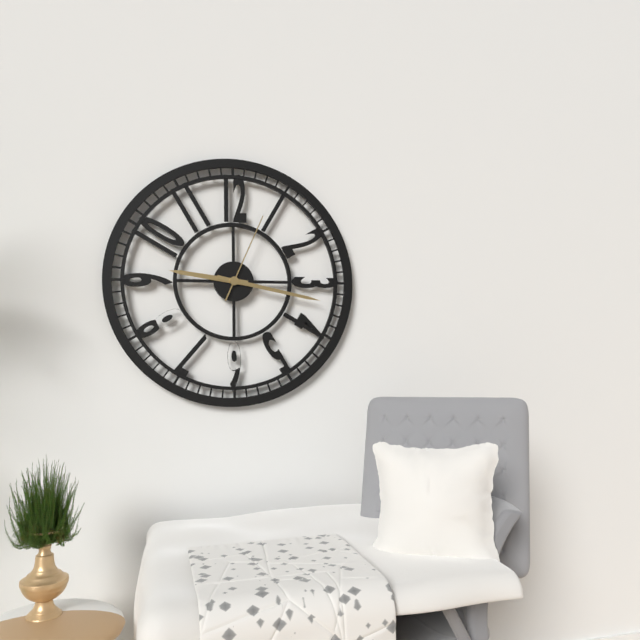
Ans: 9:17:04
